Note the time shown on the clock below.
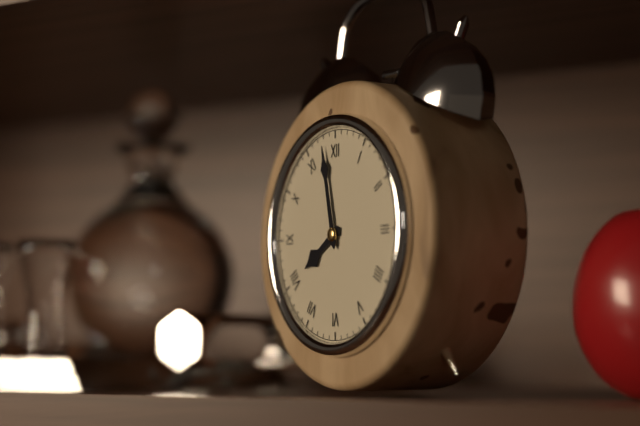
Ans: 7:58
